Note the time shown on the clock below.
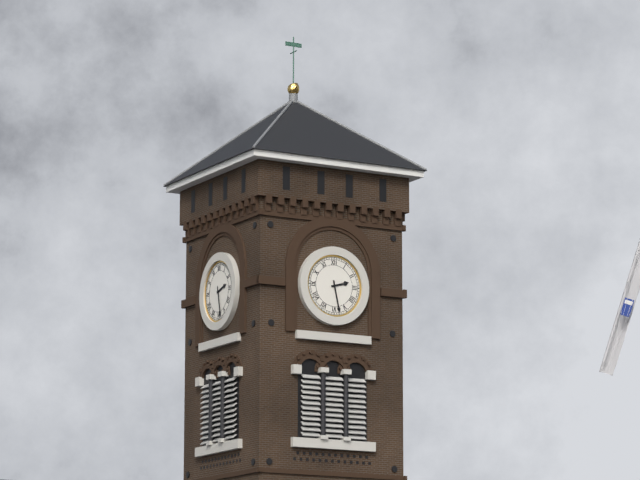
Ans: 2:28
